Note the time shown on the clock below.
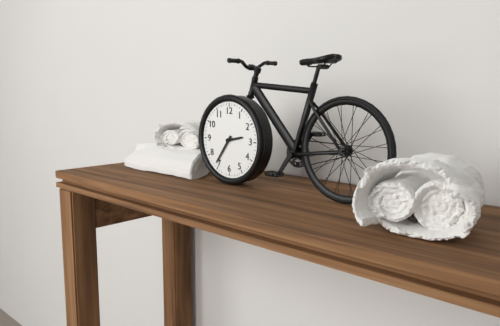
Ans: 2:36
